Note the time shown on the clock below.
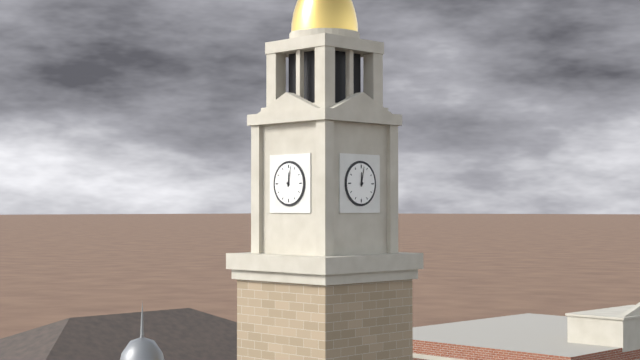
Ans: 12:02
